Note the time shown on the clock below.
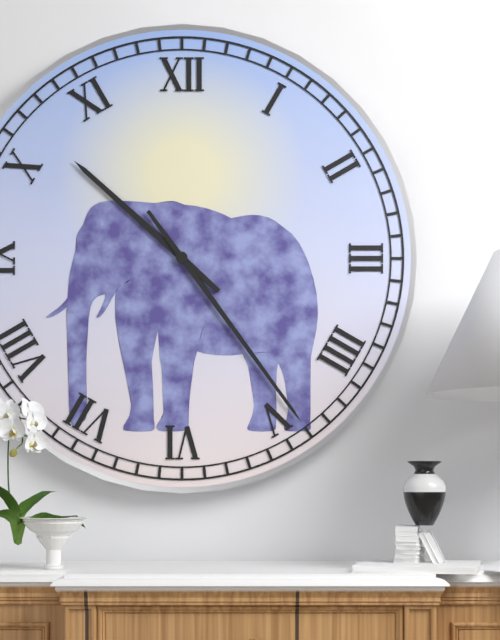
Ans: 10:24
